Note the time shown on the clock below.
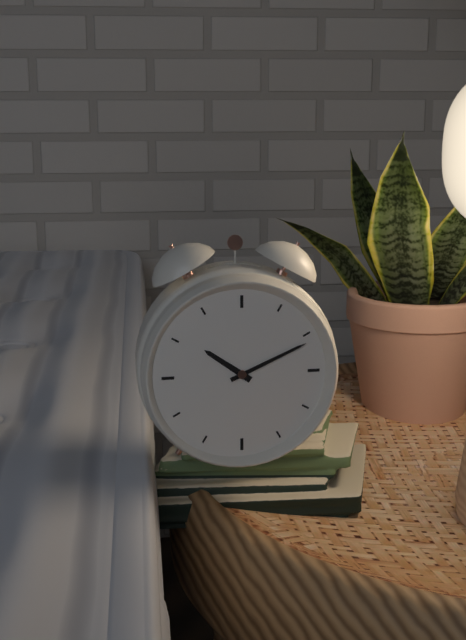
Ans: 10:11
